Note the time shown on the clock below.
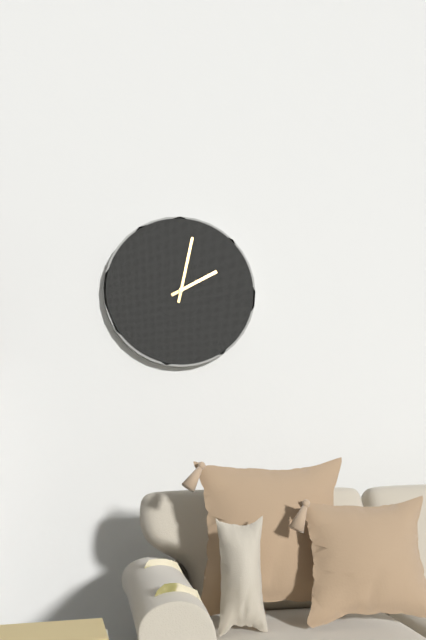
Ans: 2:02
